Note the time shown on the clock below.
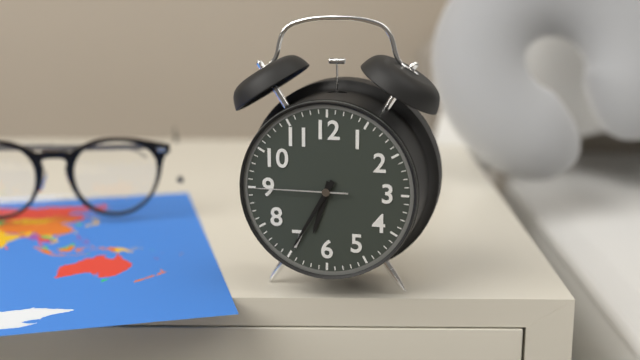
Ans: 6:35:45
